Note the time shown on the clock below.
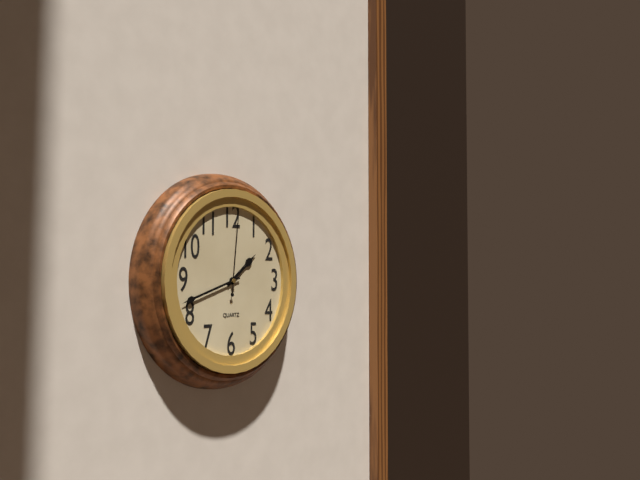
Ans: 1:42:01
